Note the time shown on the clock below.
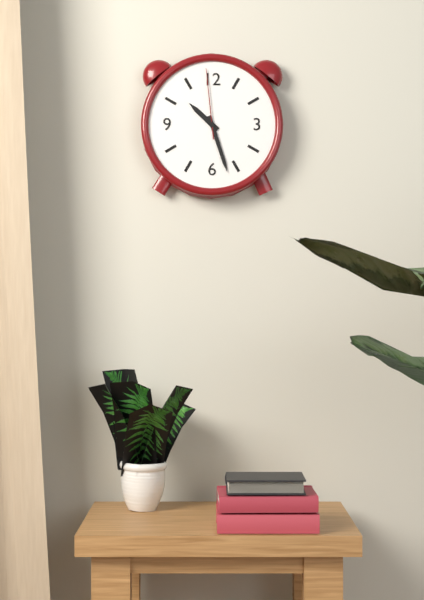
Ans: 10:27:59
